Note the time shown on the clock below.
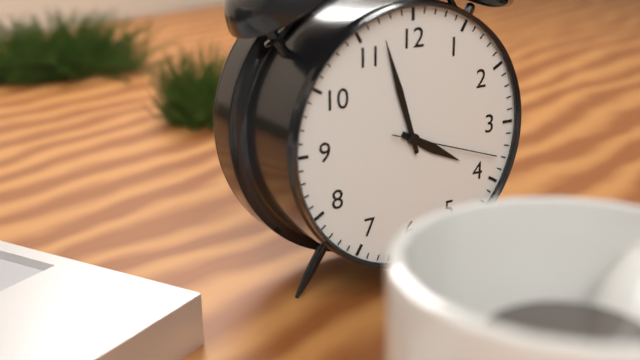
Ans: 3:57:18
